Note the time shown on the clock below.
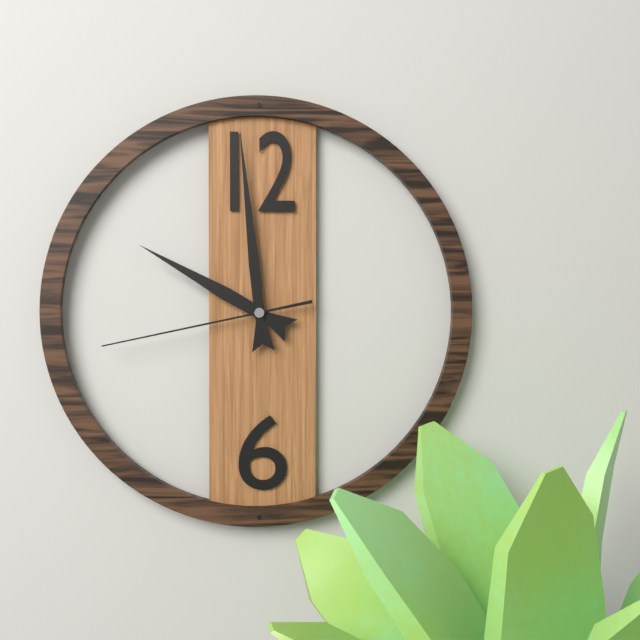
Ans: 9:59:43
